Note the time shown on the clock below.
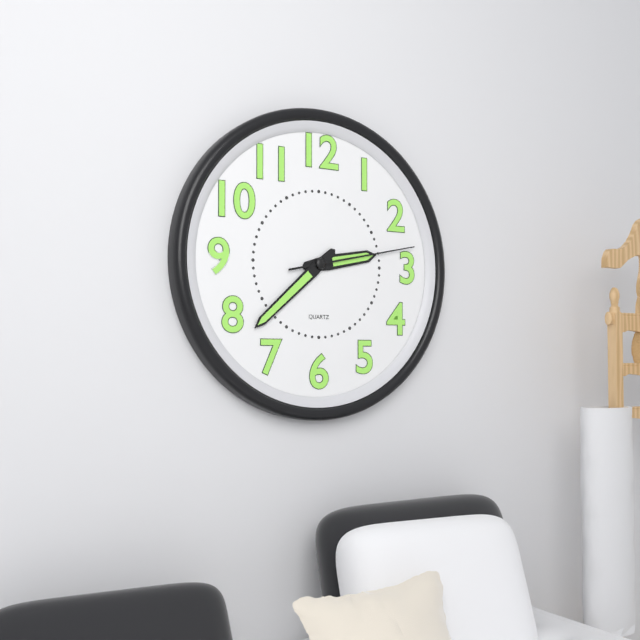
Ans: 2:38:13
